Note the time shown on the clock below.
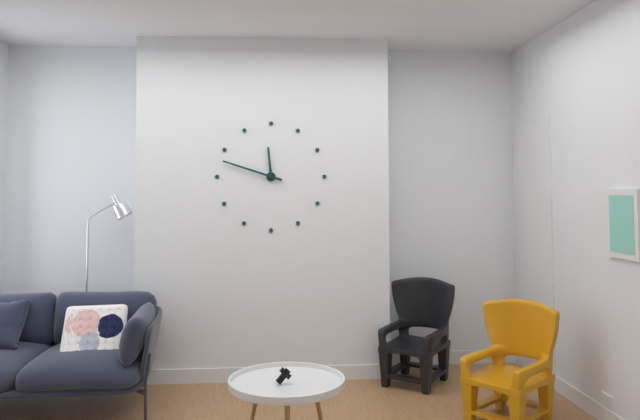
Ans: 11:48
